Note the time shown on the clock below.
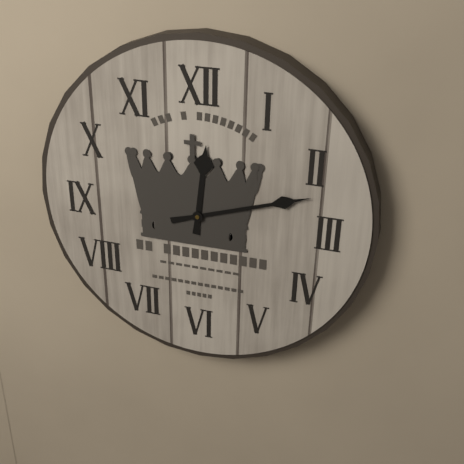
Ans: 12:12
